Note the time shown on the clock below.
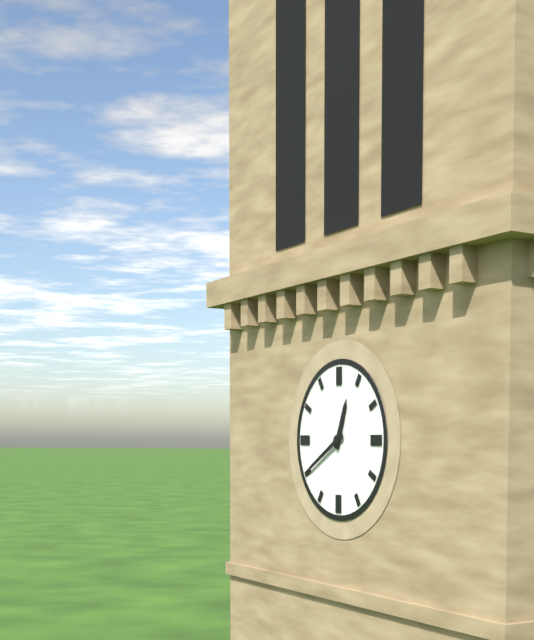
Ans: 12:40
